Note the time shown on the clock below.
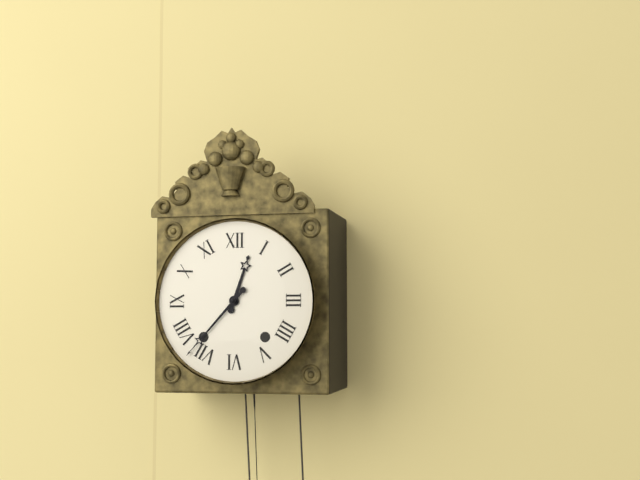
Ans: 12:37
